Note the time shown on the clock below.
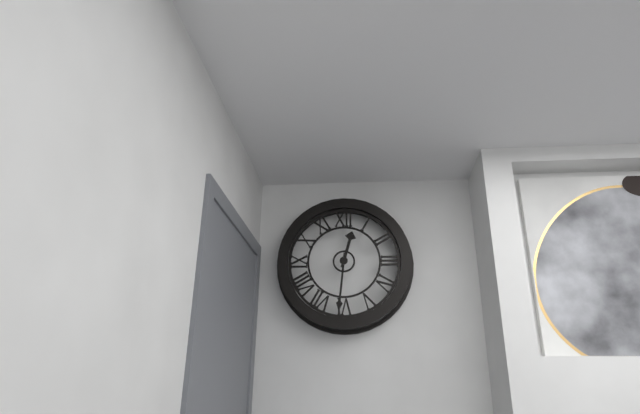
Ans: 12:31
